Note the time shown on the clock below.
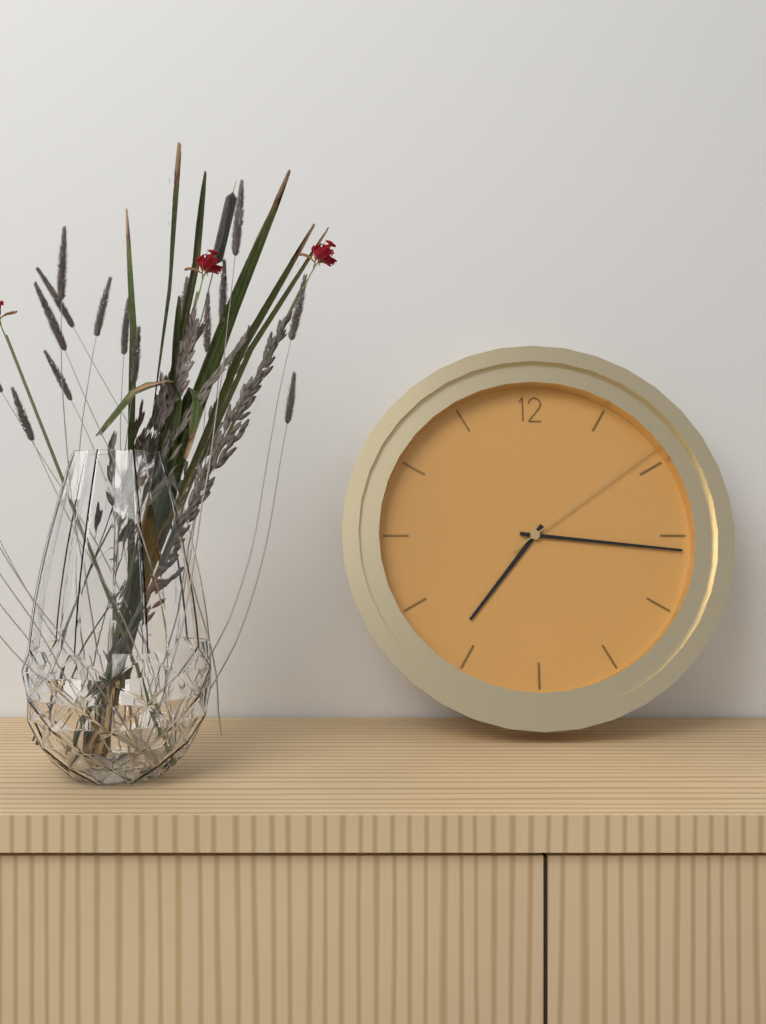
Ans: 7:16:09
